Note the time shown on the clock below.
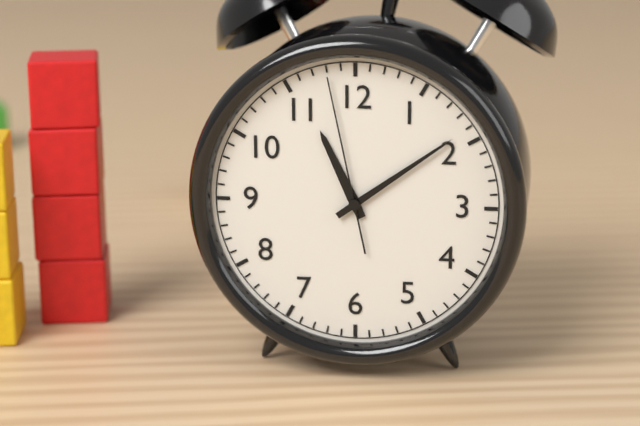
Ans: 11:09:58
